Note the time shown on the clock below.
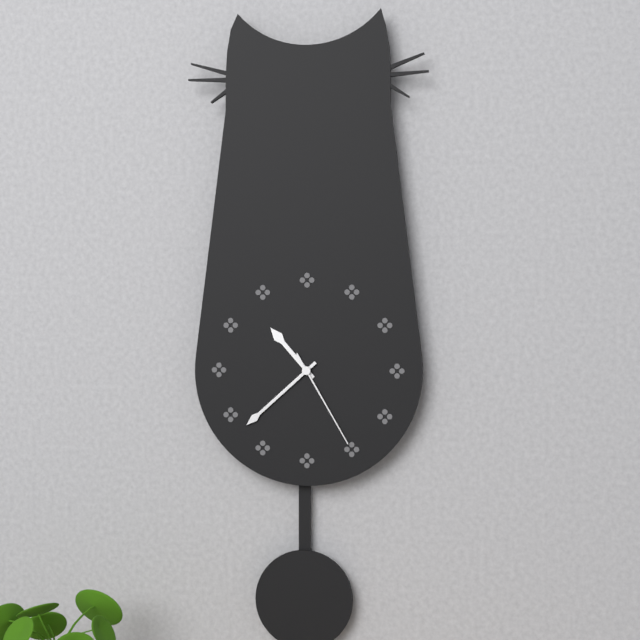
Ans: 10:38:25
